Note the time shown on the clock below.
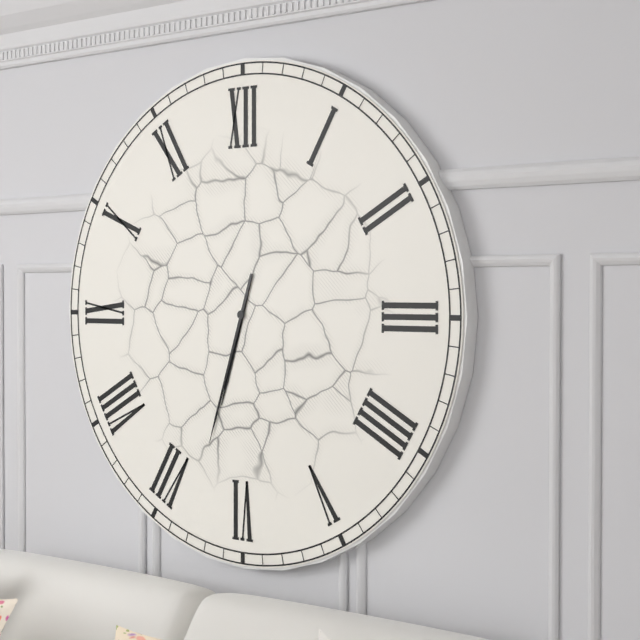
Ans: 6:33
